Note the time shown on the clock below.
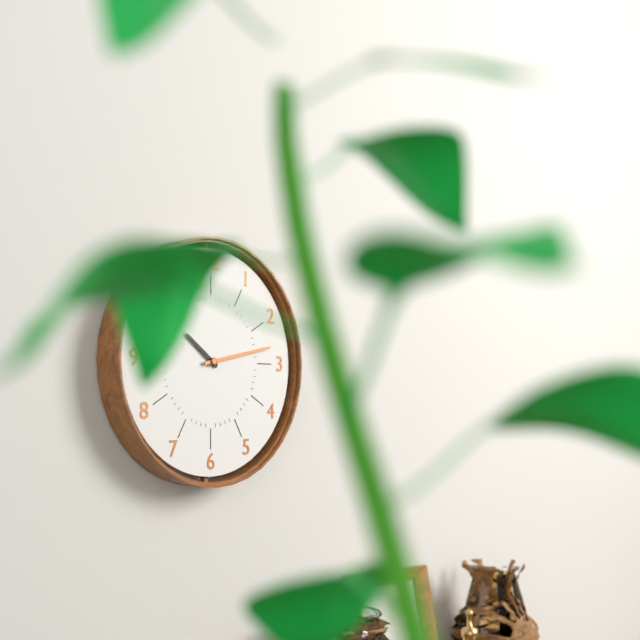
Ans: 10:13
